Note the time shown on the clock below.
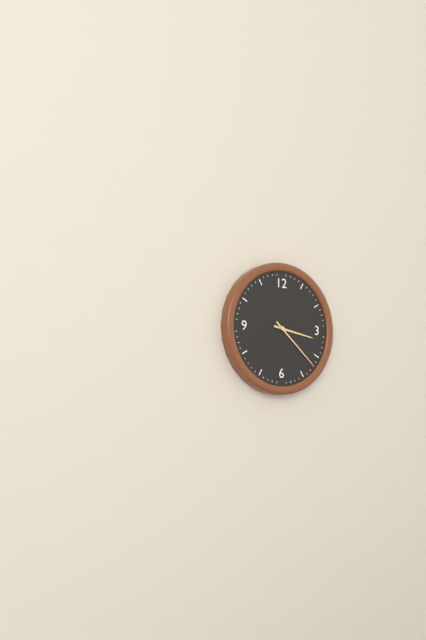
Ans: 3:22
